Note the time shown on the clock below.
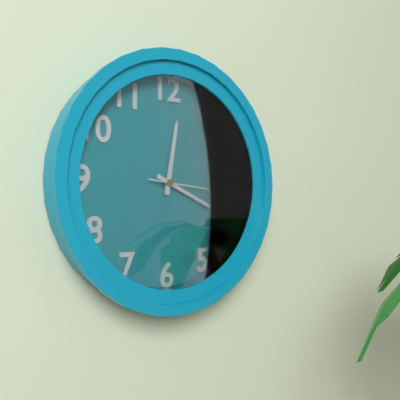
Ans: 12:19:16
